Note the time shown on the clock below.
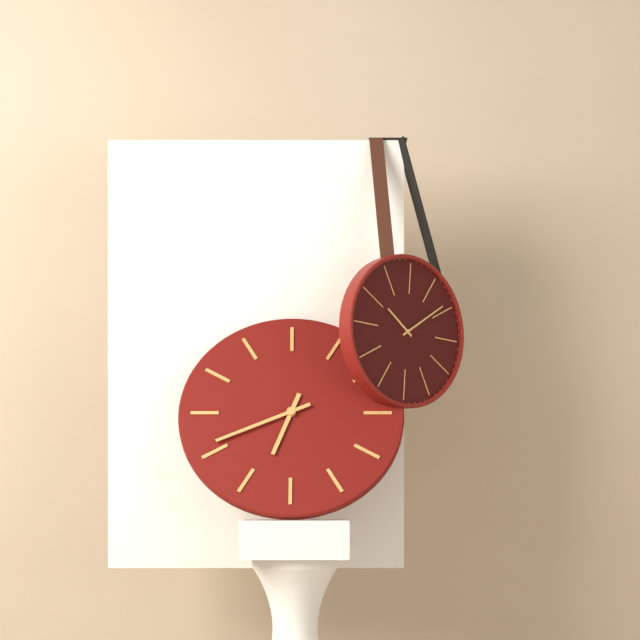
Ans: 6:41
